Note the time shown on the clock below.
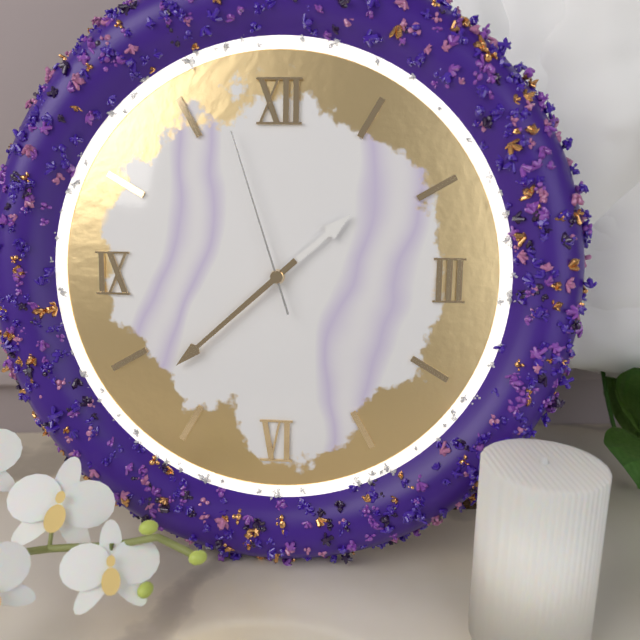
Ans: 1:38:57
